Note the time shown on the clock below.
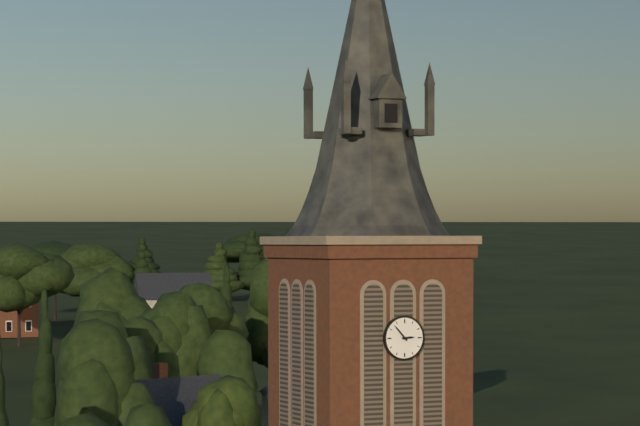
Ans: 2:53
